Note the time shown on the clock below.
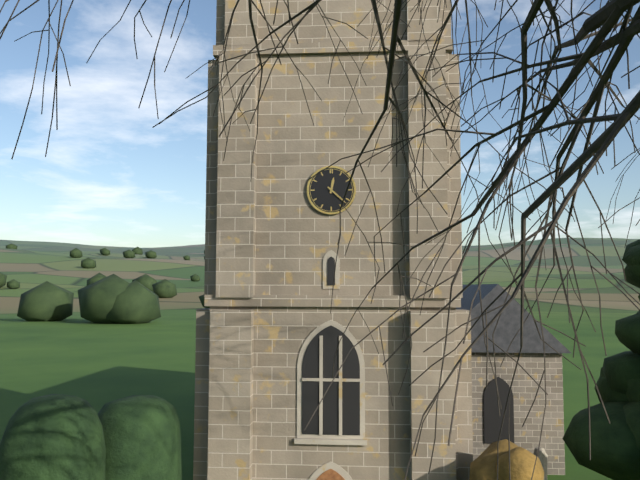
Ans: 12:22
